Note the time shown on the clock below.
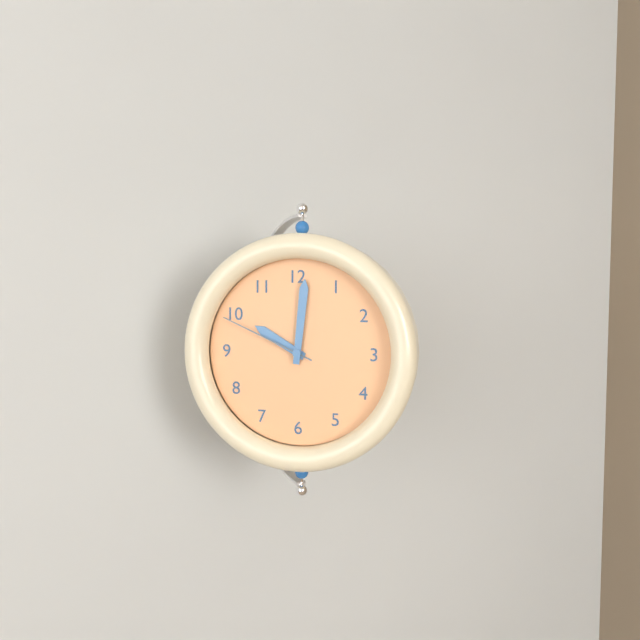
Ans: 10:01:49
